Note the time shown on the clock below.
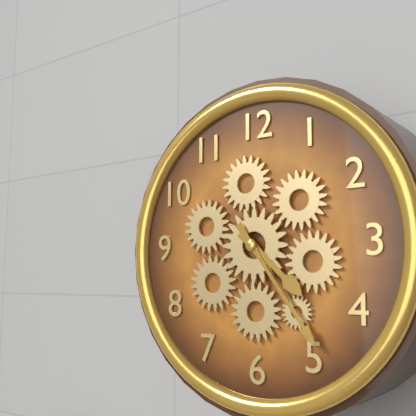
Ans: 4:24
